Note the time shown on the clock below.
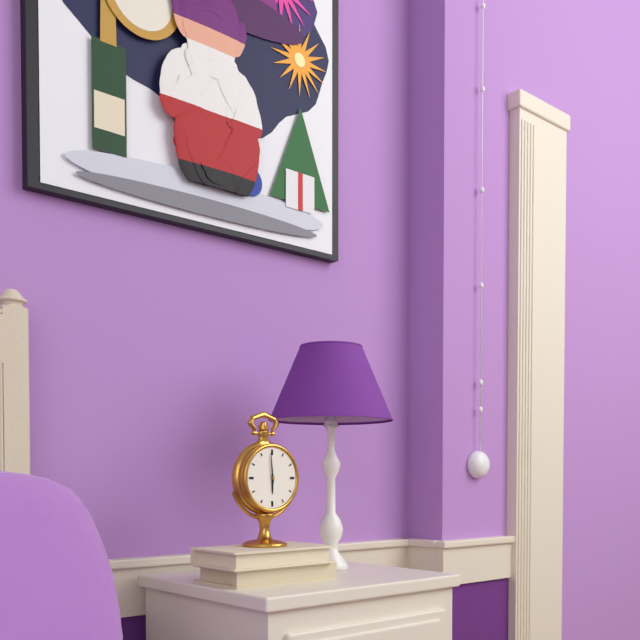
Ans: 5:59
